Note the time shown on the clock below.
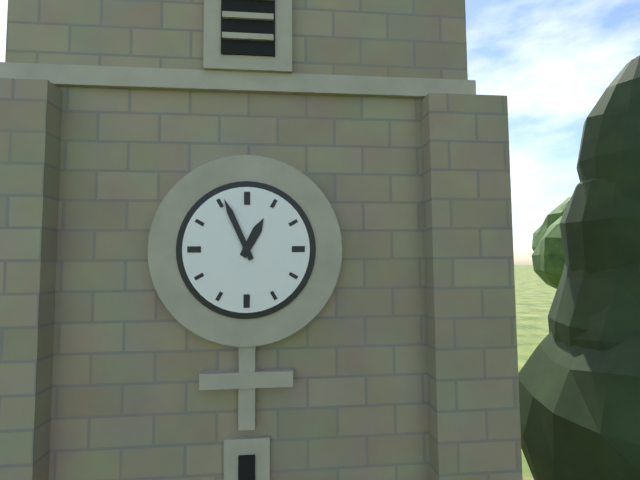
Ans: 12:56
